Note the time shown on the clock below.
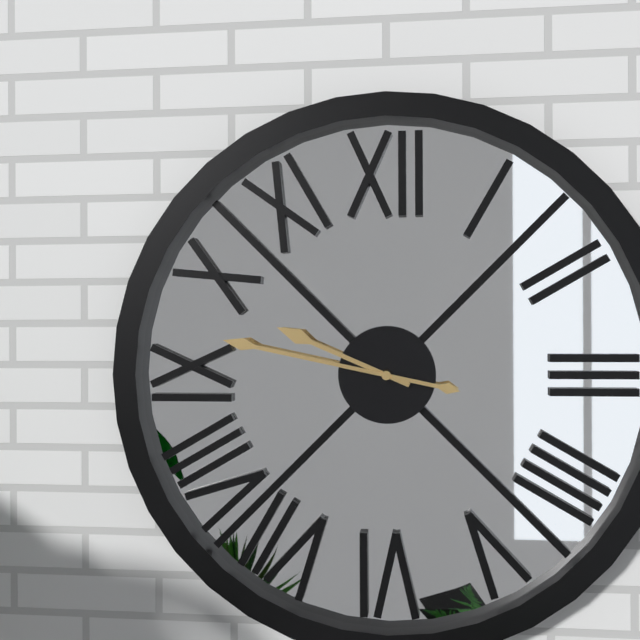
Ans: 9:47
